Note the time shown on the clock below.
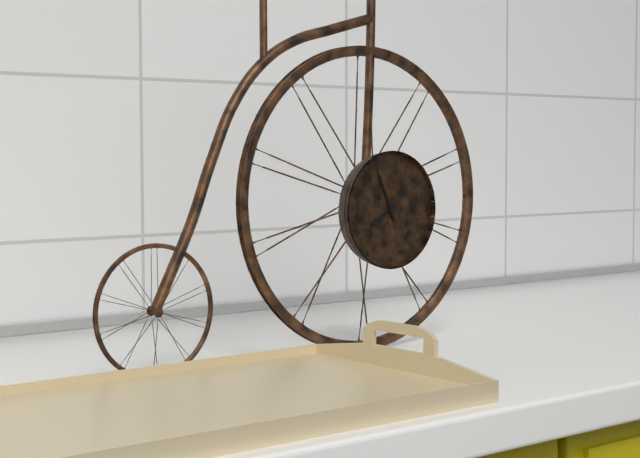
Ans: 7:56
